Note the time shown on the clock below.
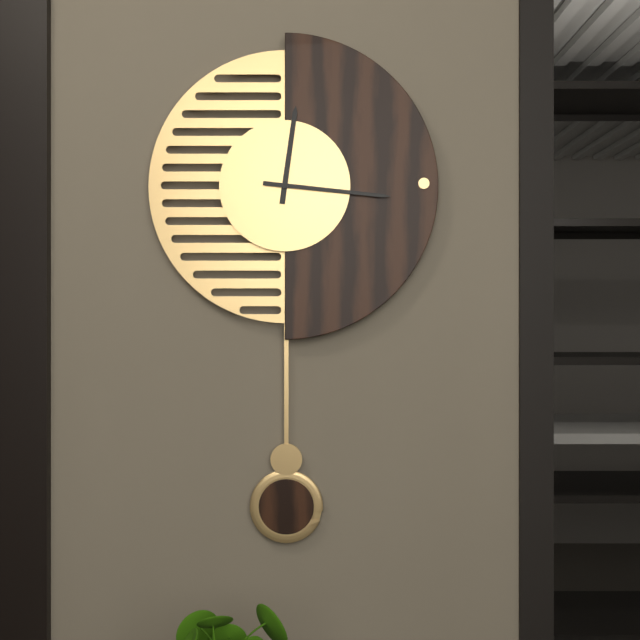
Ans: 12:16
